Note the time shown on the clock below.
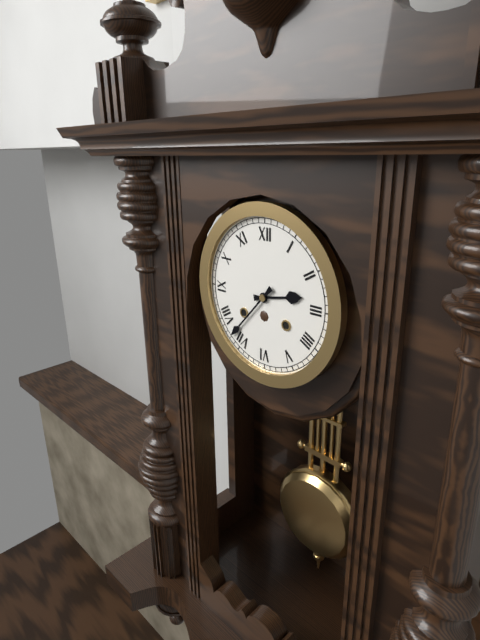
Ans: 2:37
